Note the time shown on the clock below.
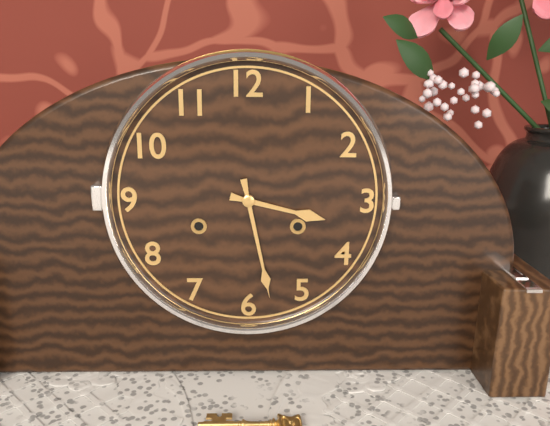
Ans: 3:28
